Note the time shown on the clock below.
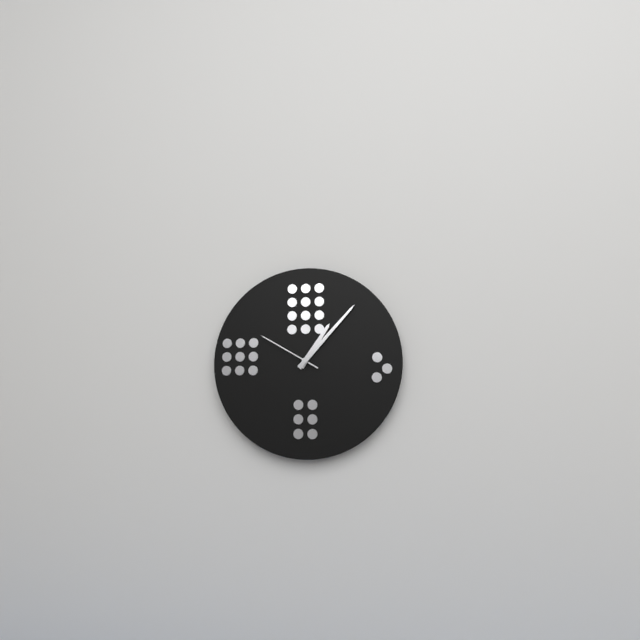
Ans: 1:07:50
